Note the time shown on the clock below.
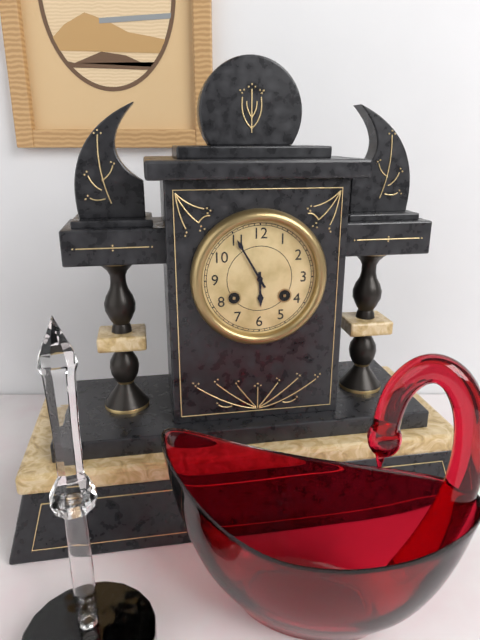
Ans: 5:55
